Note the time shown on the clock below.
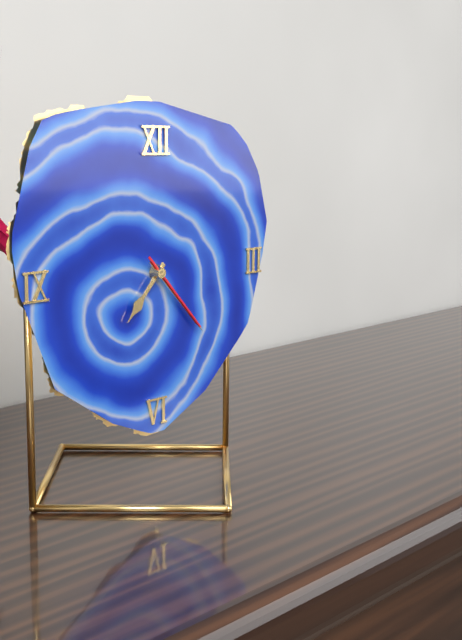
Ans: 7:23:23
